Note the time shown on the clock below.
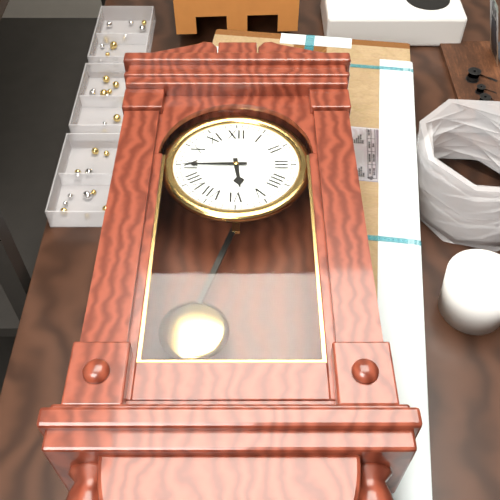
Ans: 5:45
